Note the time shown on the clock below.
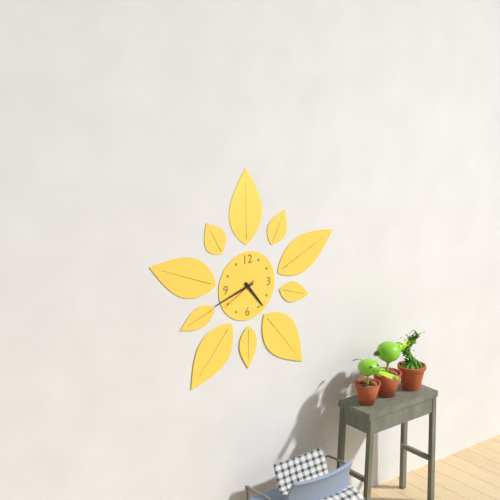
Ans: 4:42
